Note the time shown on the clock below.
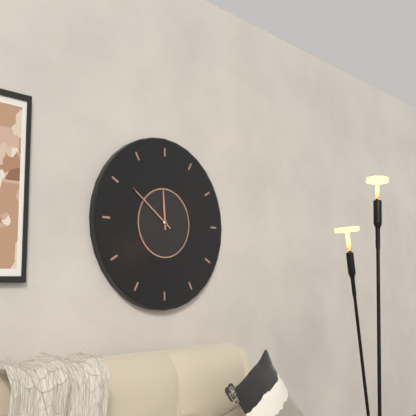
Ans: 11:51
